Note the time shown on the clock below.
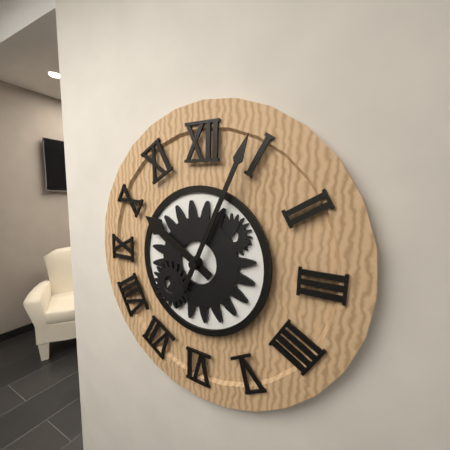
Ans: 10:04
